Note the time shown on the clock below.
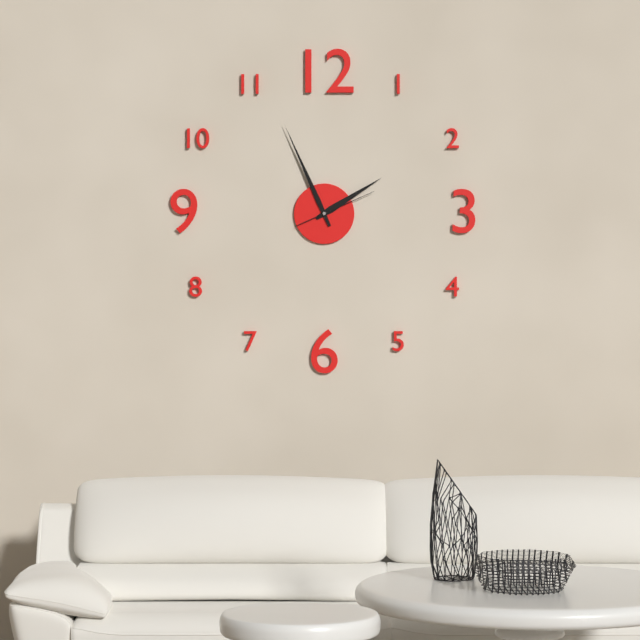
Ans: 1:56:11
